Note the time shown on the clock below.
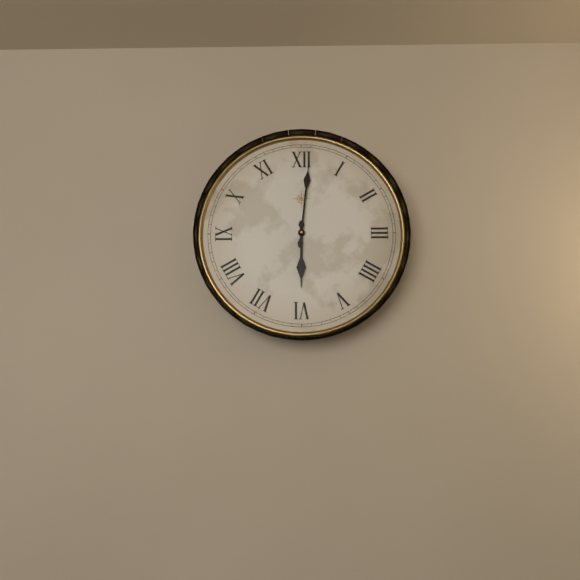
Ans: 6:01
